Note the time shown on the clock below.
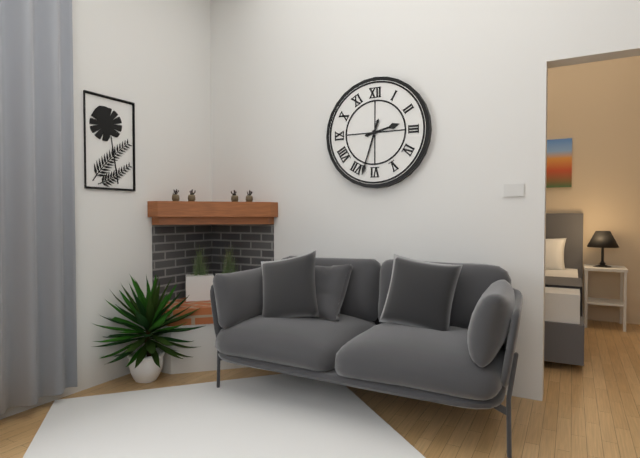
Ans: 2:33
